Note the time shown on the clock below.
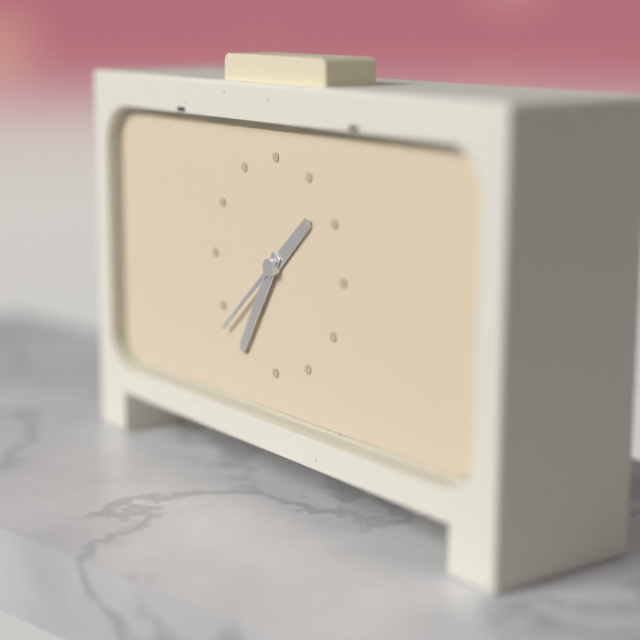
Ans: 1:35:38
